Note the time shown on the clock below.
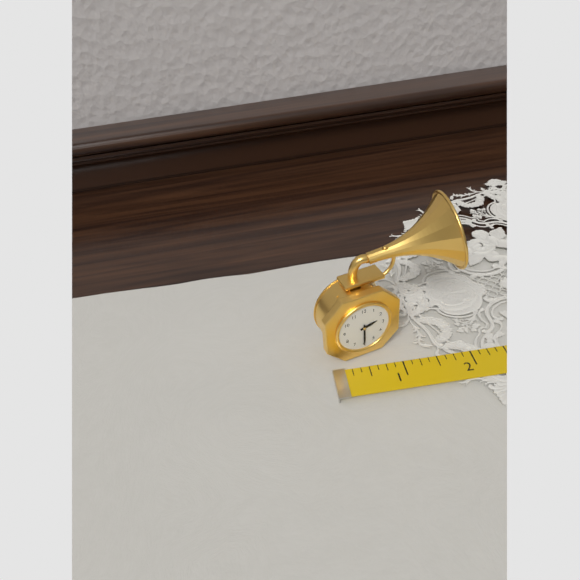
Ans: 2:30
